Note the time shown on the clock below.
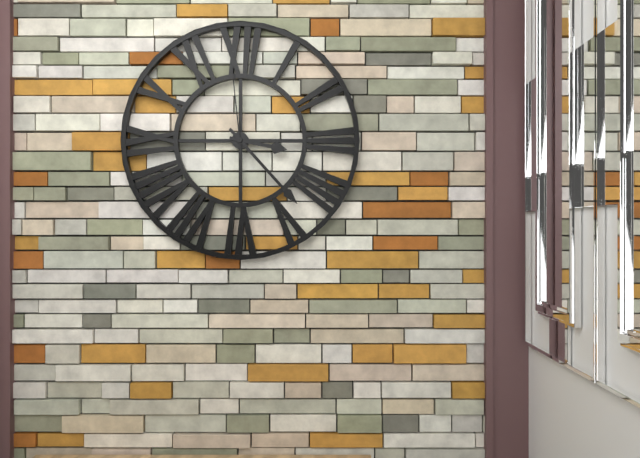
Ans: 3:23:59
